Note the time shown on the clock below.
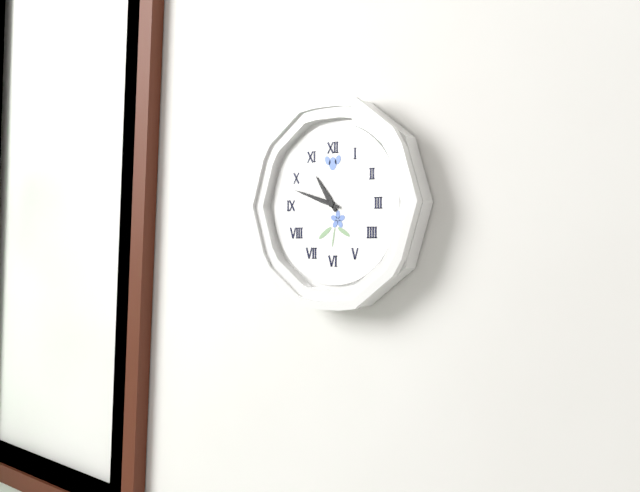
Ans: 10:48
